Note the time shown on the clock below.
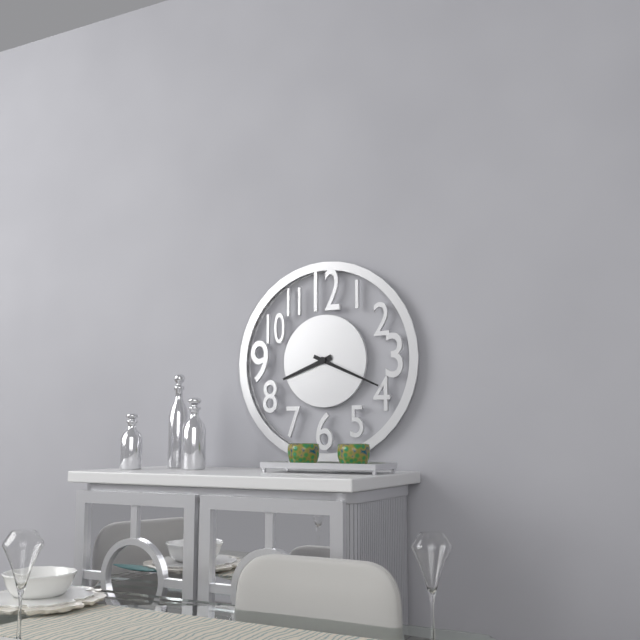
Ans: 8:19
